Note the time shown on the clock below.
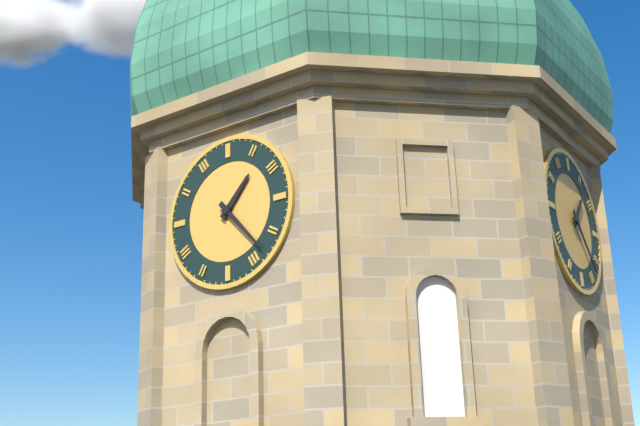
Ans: 1:23
